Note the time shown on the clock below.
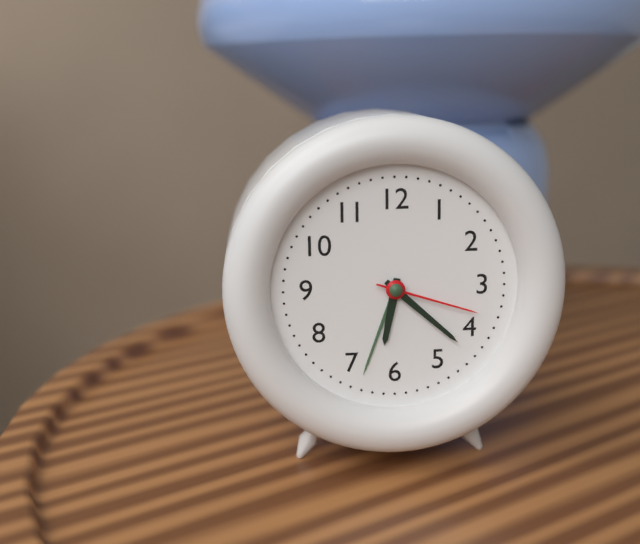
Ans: 6:22:18
